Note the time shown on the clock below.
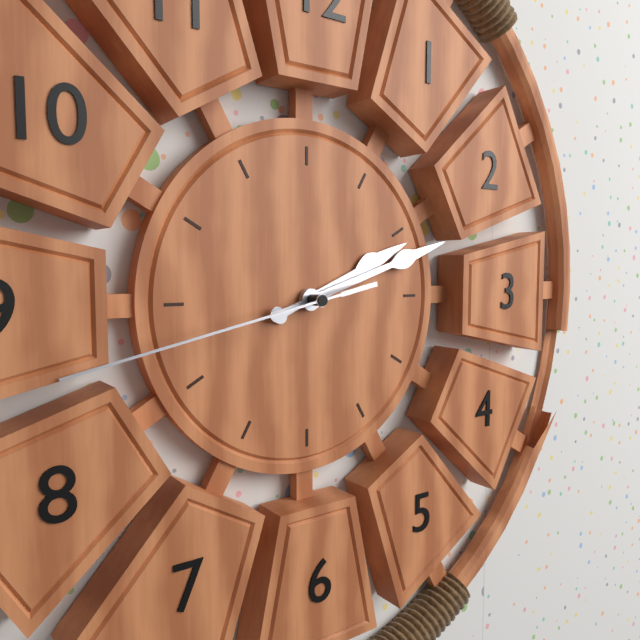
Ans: 2:12:43
